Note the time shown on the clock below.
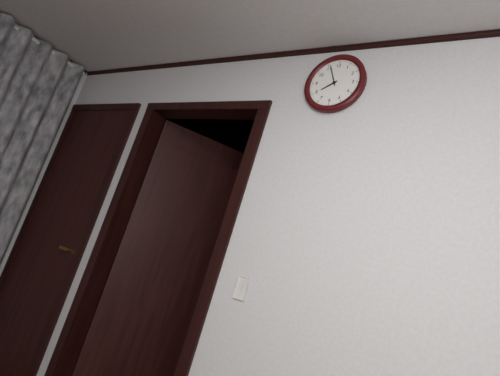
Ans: 7:56
